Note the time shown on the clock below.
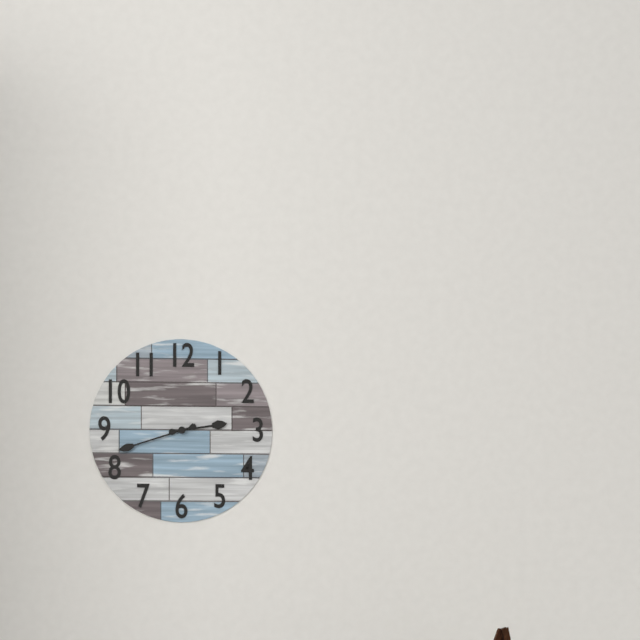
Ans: 2:42
